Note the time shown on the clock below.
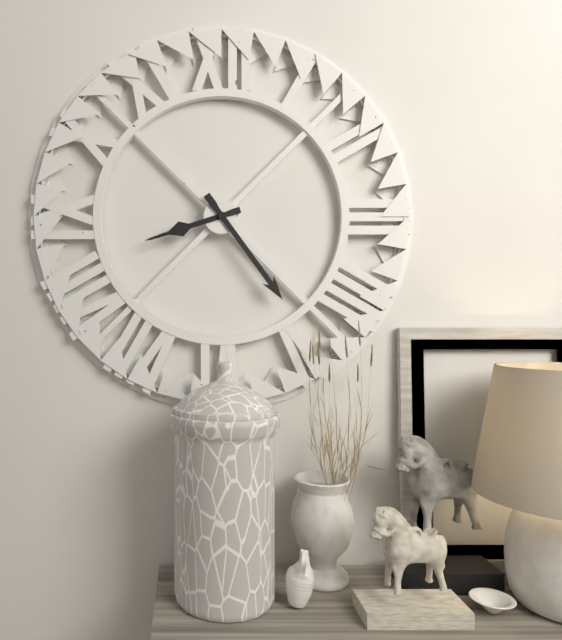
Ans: 8:24
